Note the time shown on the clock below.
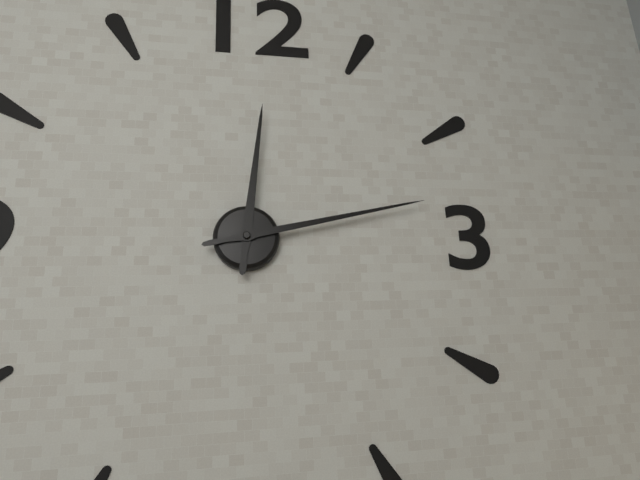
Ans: 12:13
